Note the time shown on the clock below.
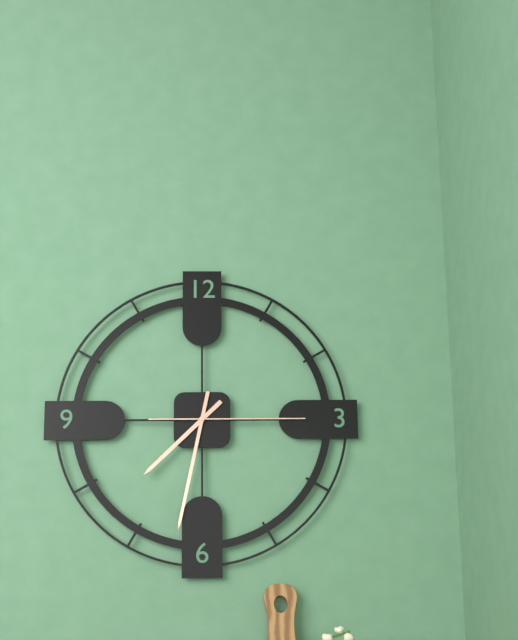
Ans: 7:32:15
